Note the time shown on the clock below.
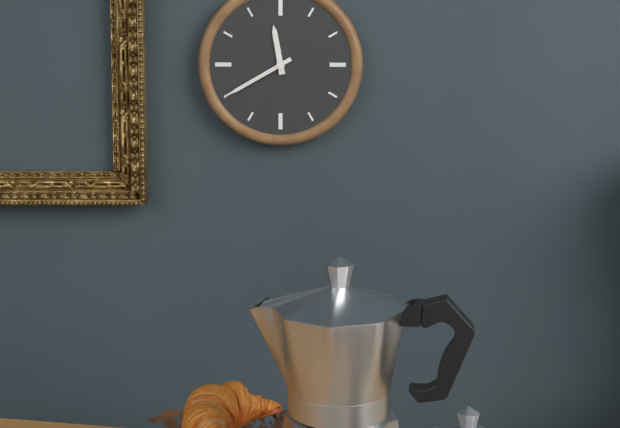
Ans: 11:40
